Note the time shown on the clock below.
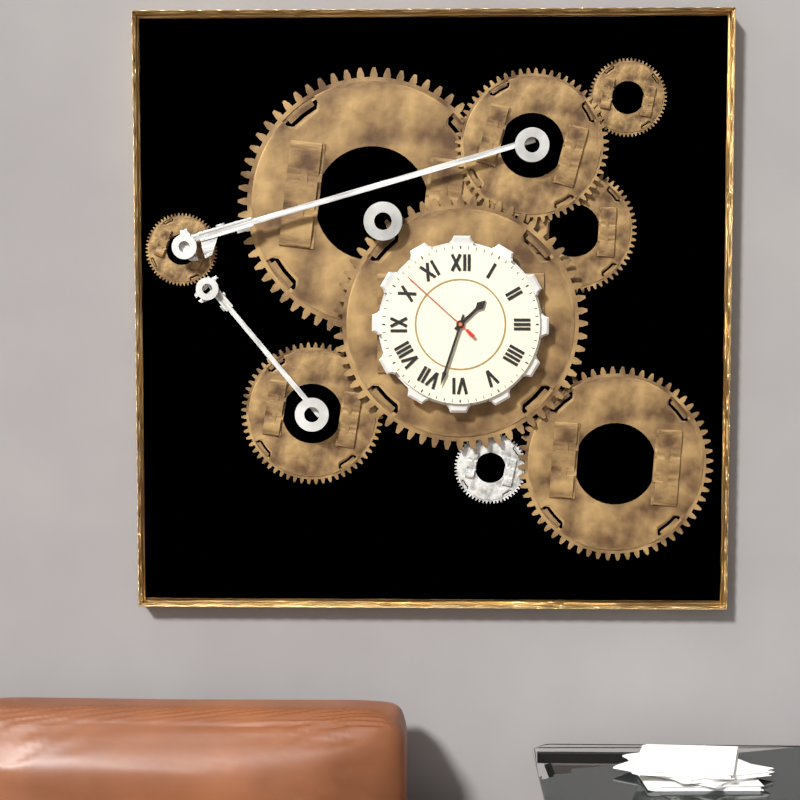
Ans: 1:33:52
